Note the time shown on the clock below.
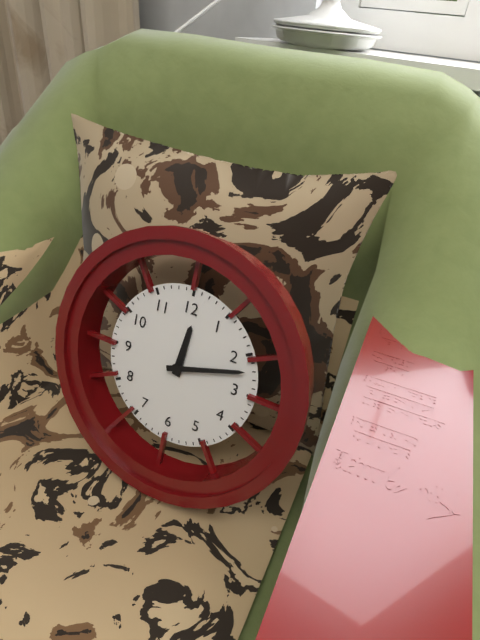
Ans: 12:12
